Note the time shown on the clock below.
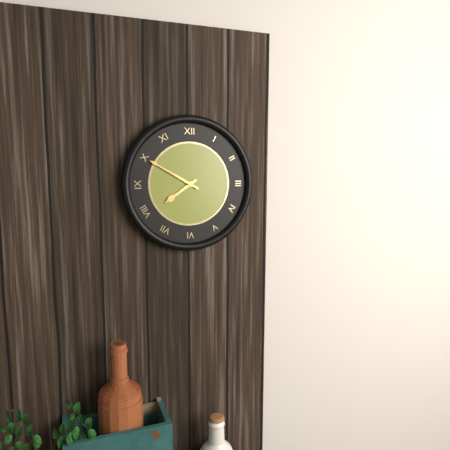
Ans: 7:50
